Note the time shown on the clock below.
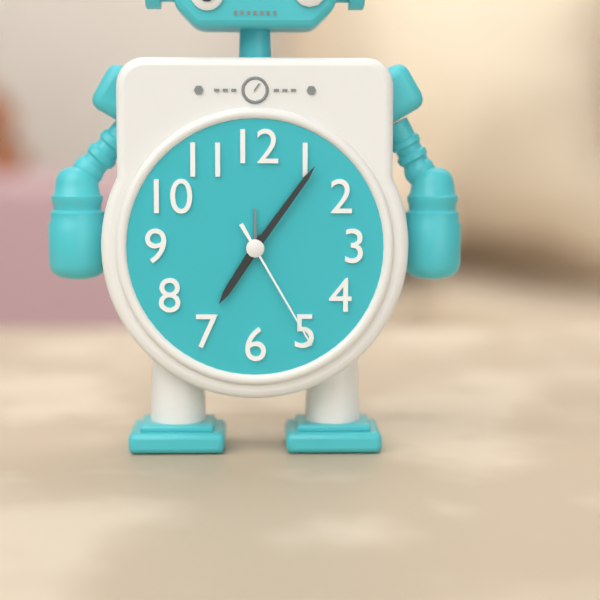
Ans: 7:06:25
